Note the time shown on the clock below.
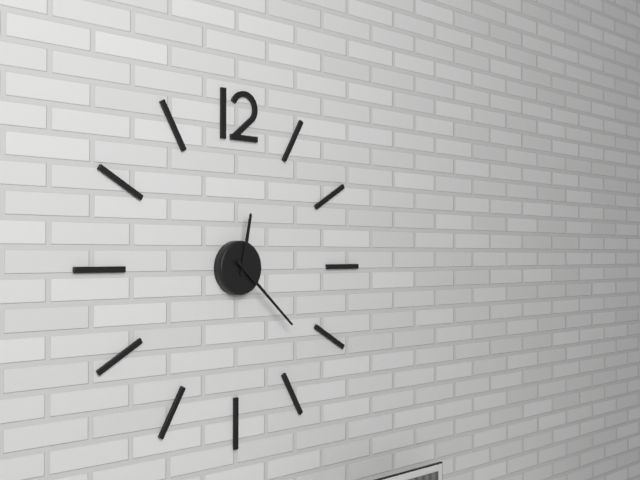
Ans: 12:22
